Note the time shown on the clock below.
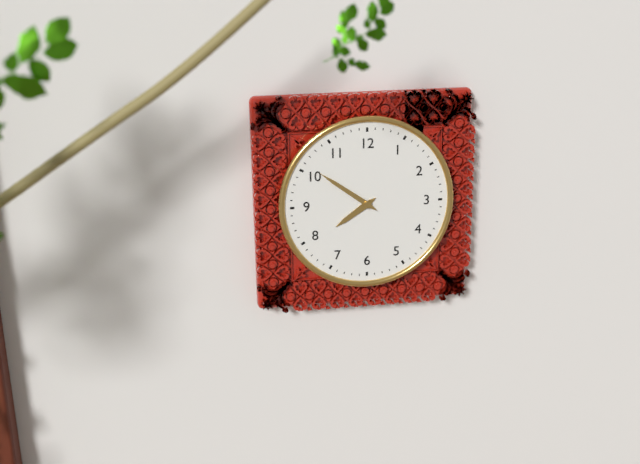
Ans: 7:51
